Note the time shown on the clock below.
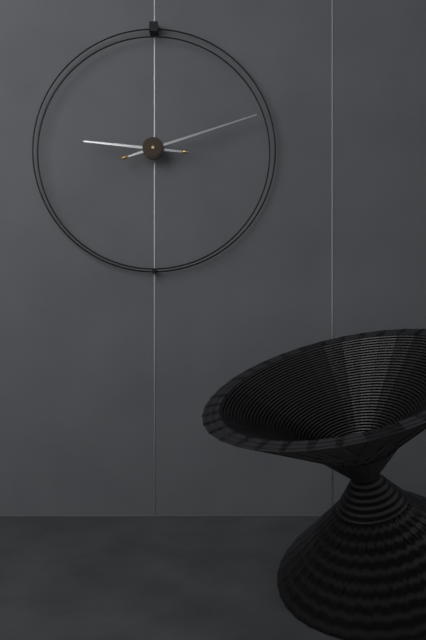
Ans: 9:12
